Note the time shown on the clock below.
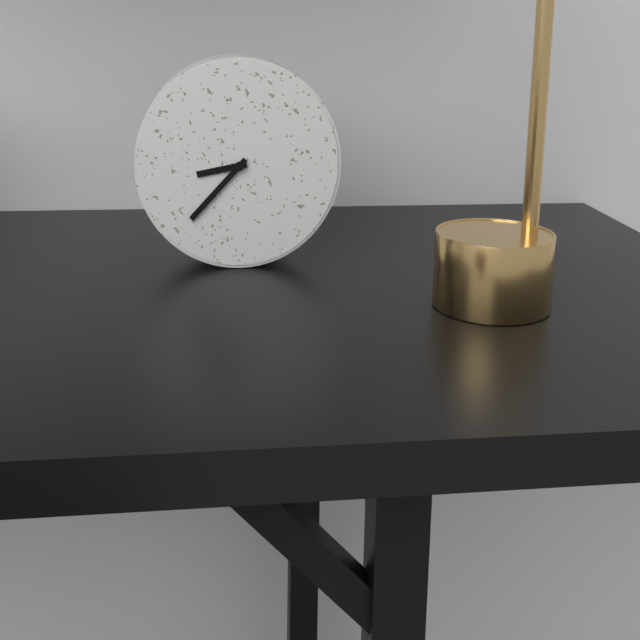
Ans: 8:37
